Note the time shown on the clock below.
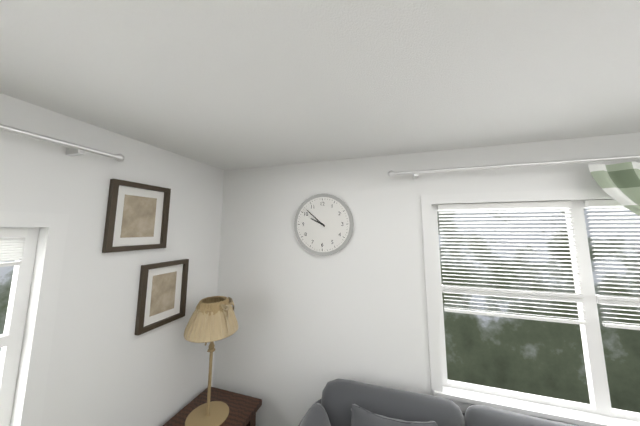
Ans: 9:52
